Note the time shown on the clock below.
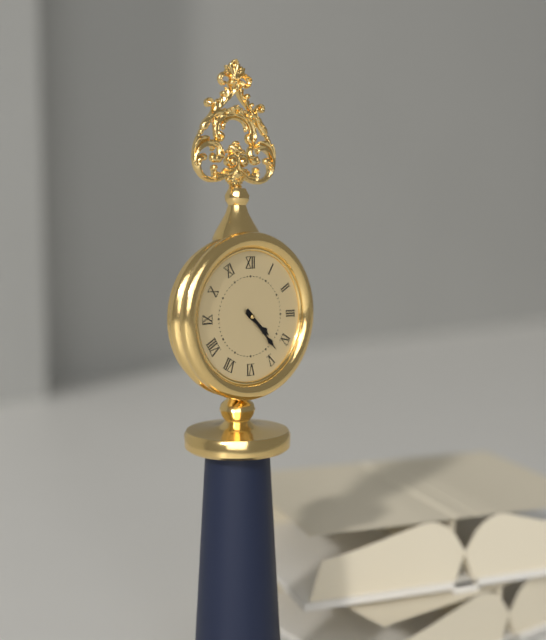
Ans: 4:23
